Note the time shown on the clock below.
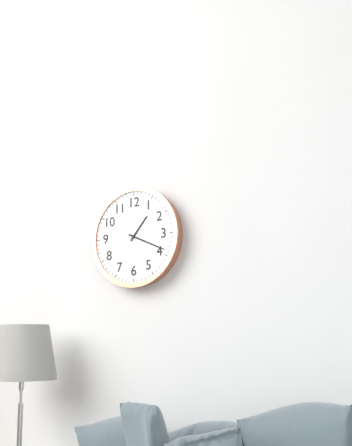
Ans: 1:19
